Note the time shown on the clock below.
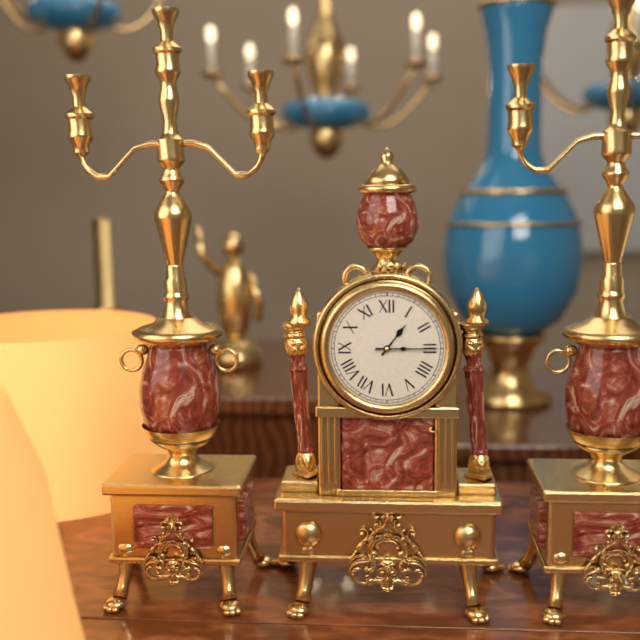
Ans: 1:15
